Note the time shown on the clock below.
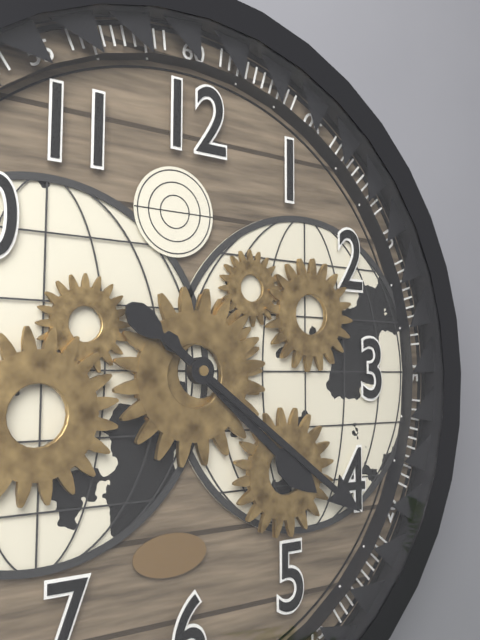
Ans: 4:21
